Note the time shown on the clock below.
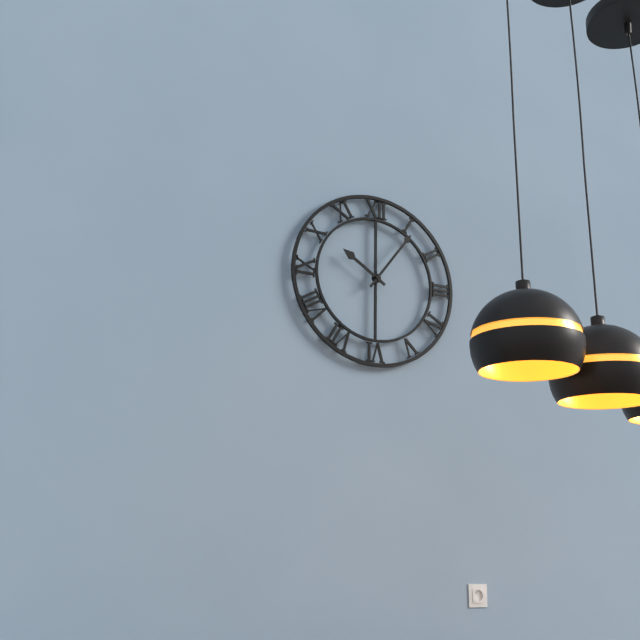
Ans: 10:06
